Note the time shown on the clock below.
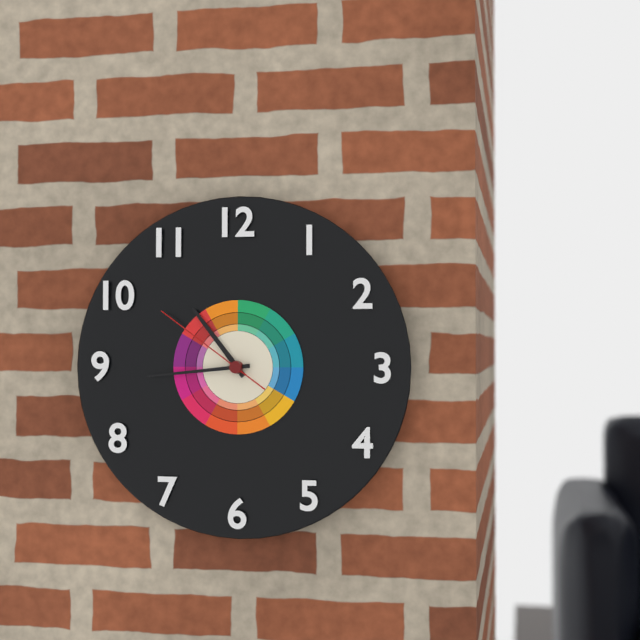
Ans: 10:44:51
